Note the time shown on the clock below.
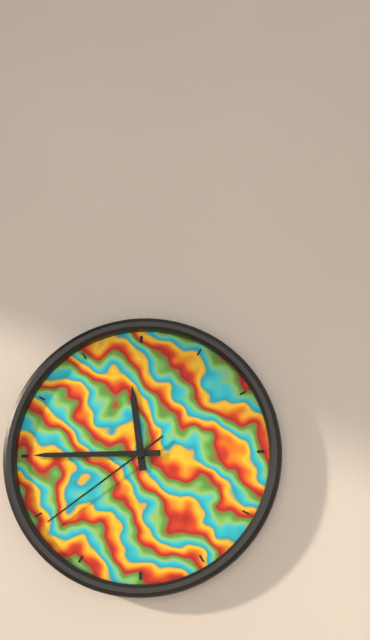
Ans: 11:45:39
